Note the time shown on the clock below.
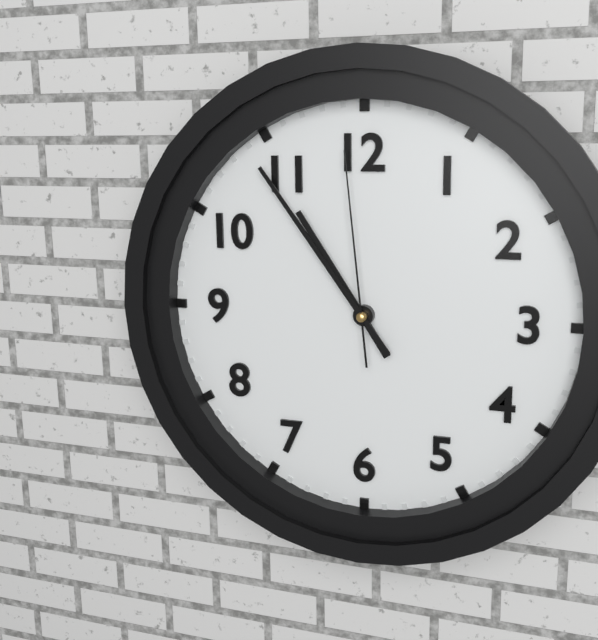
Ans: 10:54:59
